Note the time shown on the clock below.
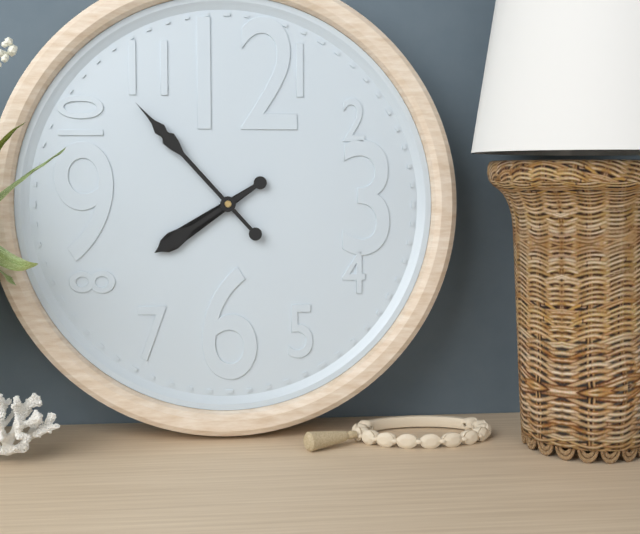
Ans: 7:53
